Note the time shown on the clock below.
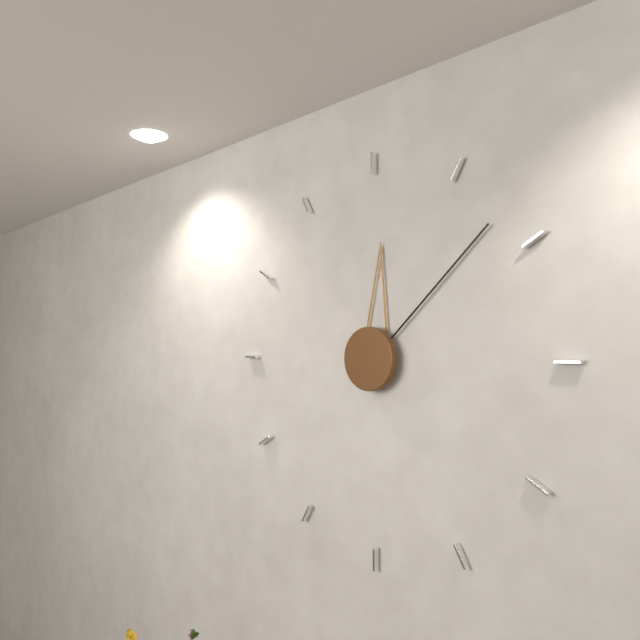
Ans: 12:08
